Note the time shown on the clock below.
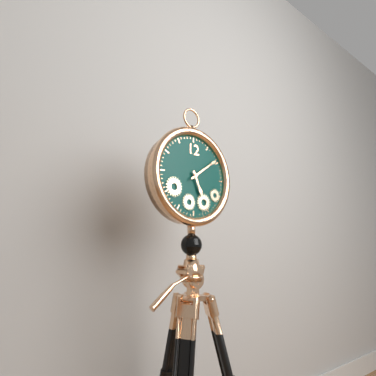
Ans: 5:09
